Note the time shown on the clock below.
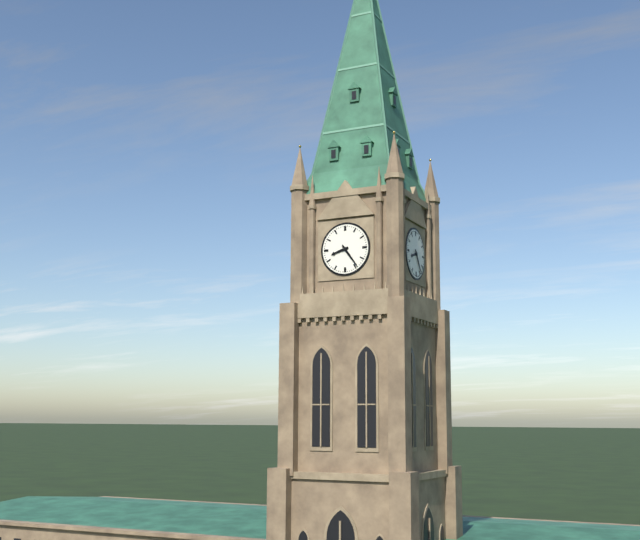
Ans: 8:24
